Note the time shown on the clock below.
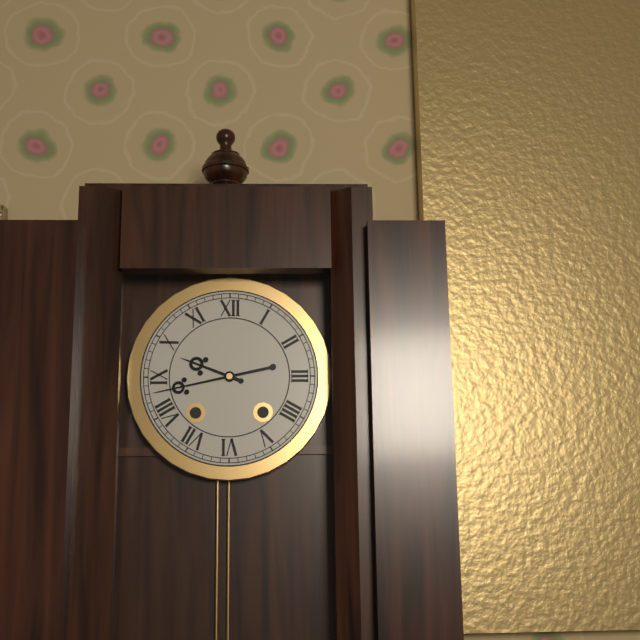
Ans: 9:43
